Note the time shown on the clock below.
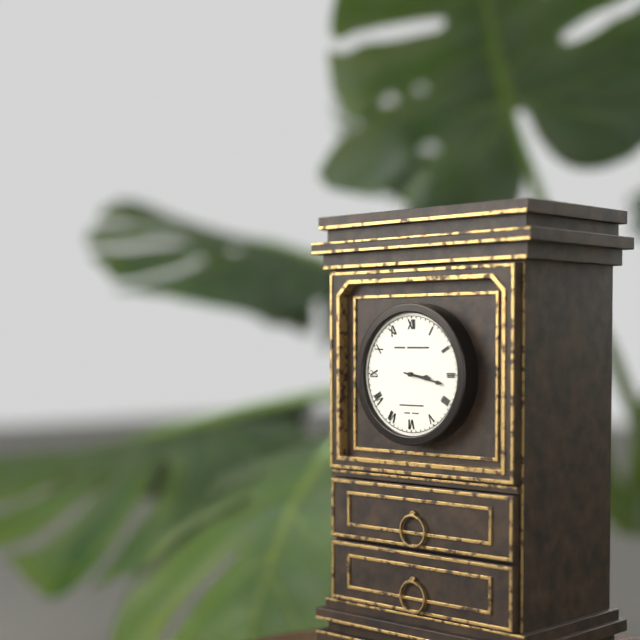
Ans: 3:17
